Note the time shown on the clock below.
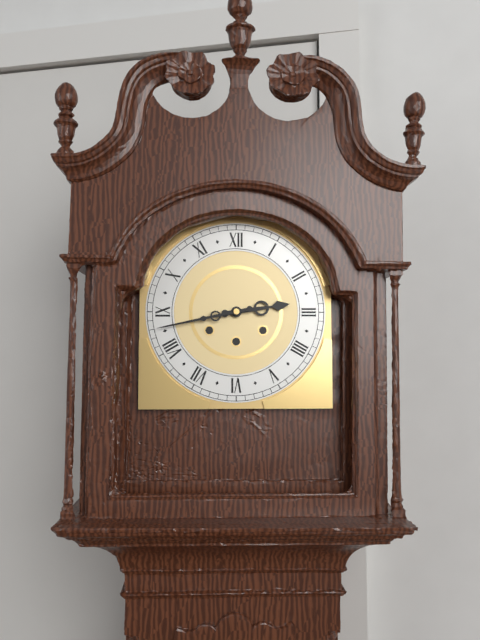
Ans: 2:43
